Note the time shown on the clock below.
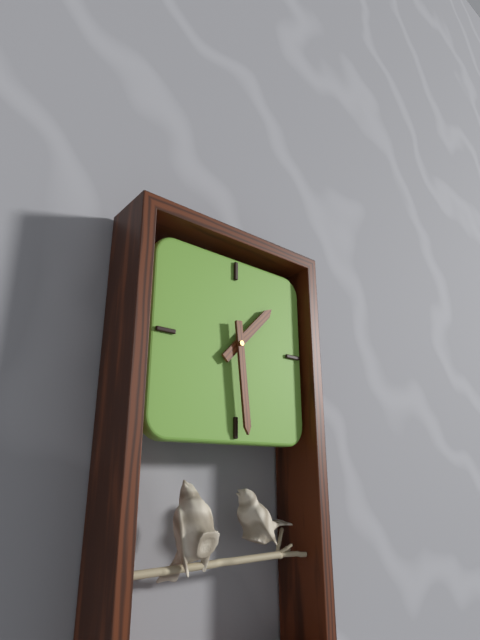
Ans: 1:29
